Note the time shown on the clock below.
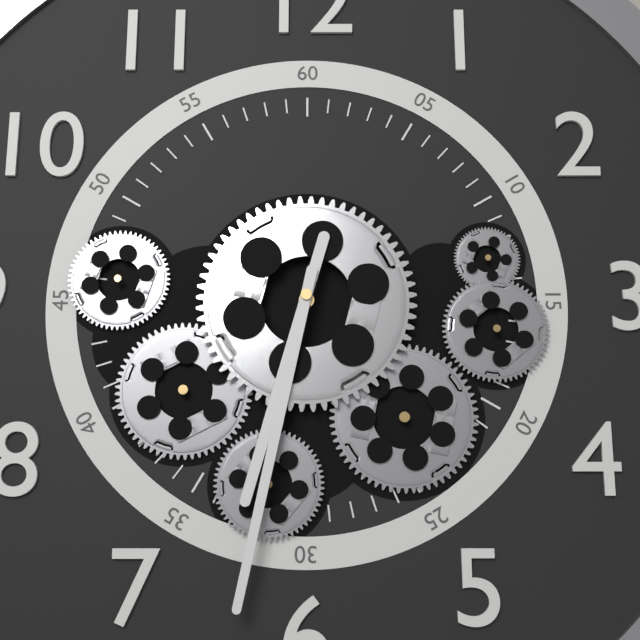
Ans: 6:32
